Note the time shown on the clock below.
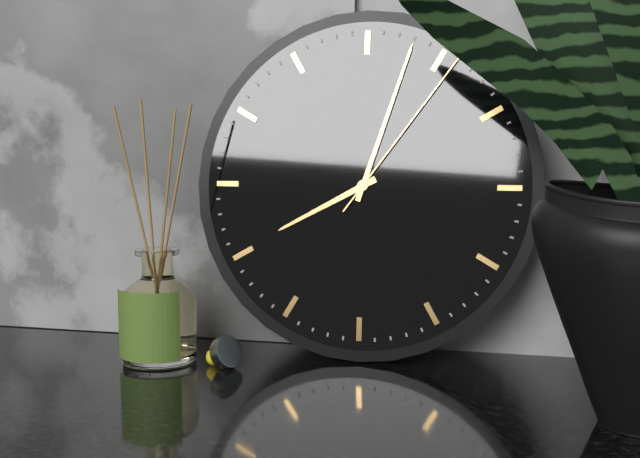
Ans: 8:03:06
